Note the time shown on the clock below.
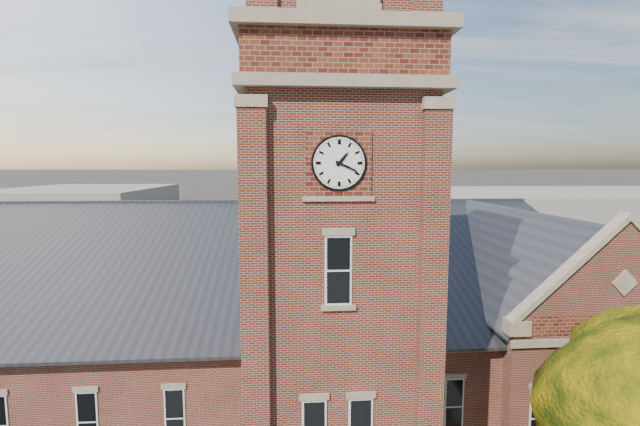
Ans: 1:19
